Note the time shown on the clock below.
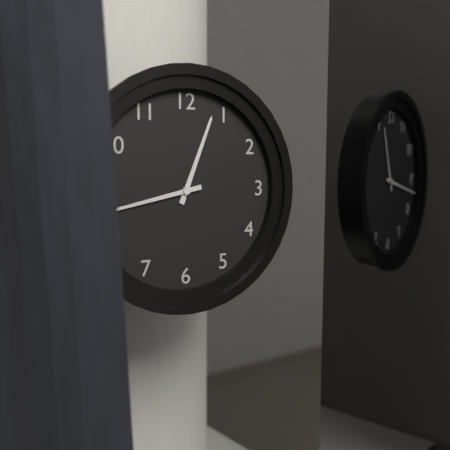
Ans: 12:43
